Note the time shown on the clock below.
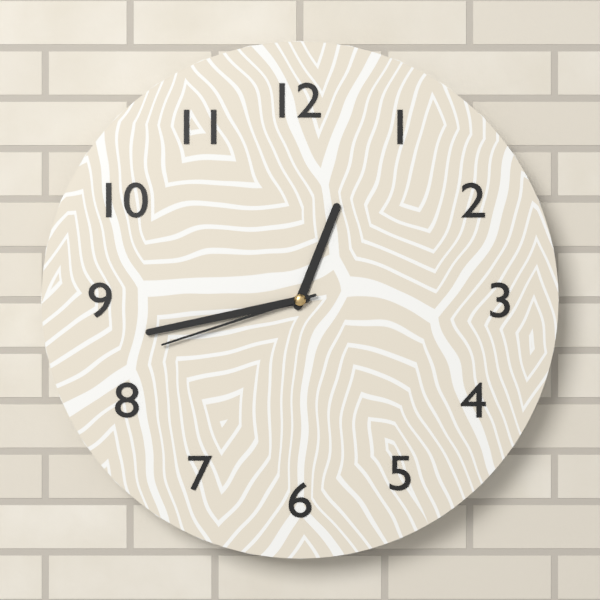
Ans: 12:43:42
